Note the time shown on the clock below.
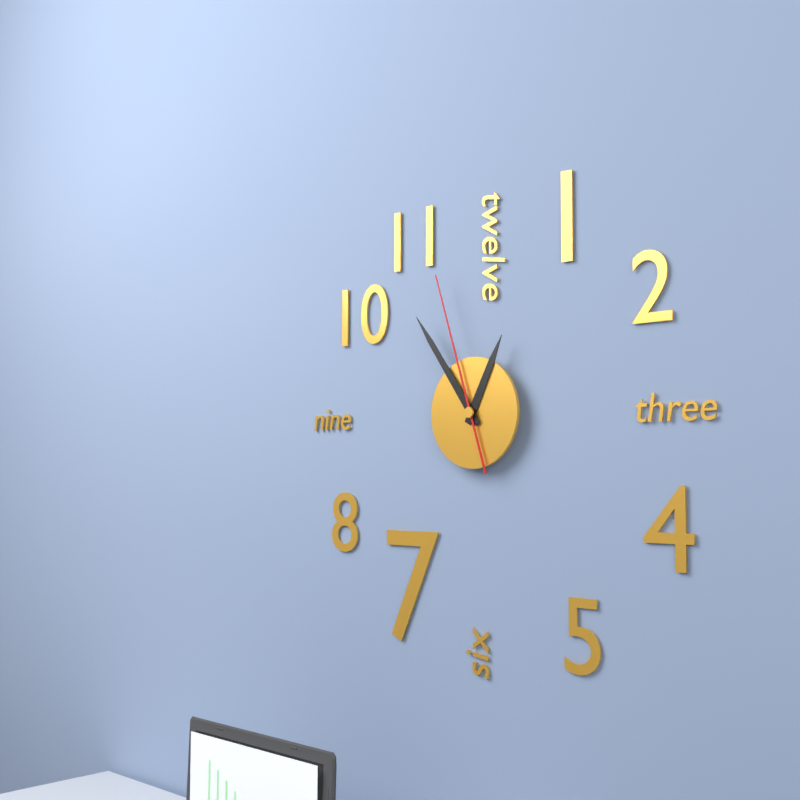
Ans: 12:54:57
